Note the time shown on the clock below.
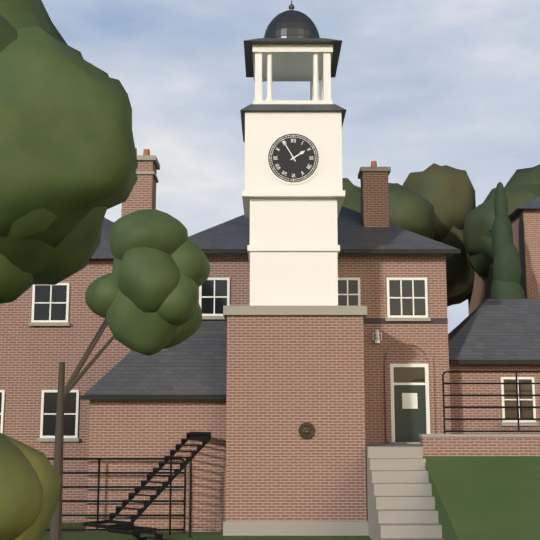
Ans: 1:55
